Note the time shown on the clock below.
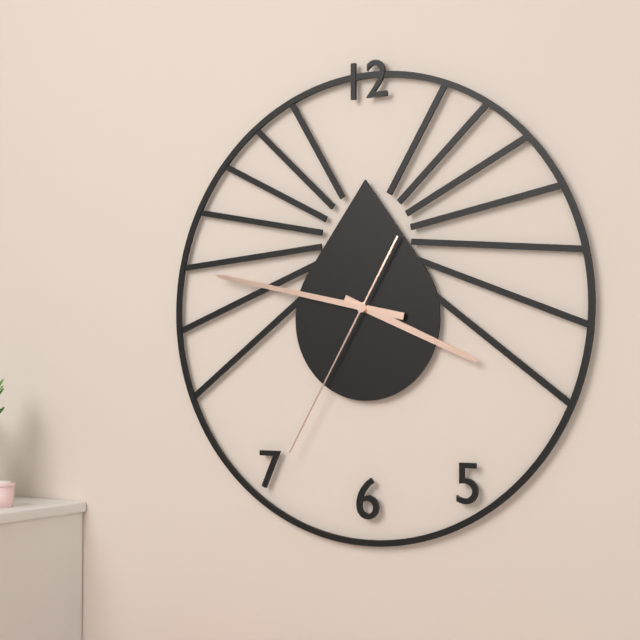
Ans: 3:47:35
